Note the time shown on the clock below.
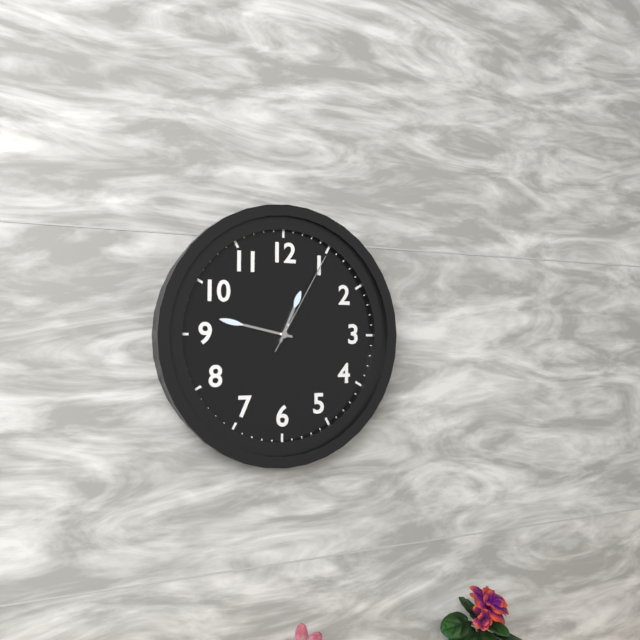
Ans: 12:47:05
